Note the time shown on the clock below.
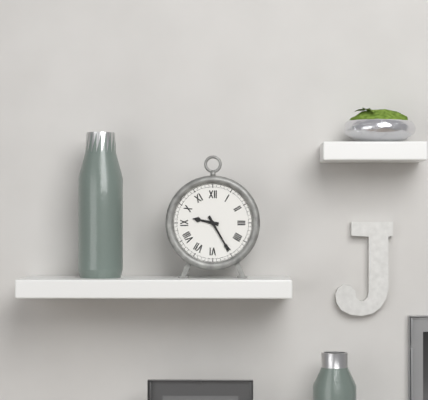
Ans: 9:25
